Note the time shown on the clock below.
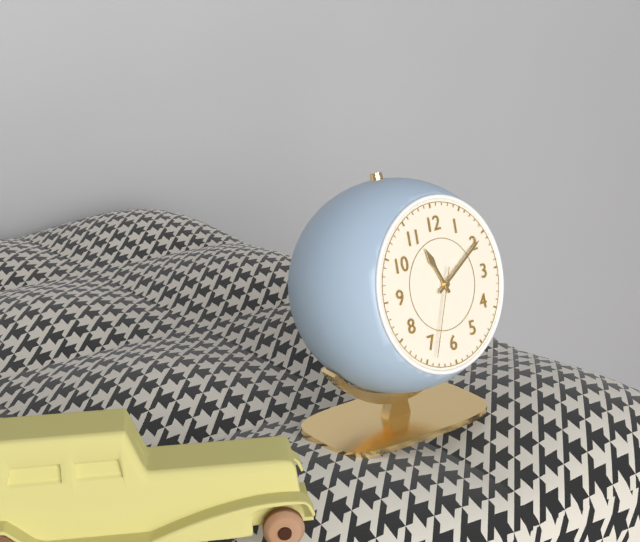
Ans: 11:10:34
